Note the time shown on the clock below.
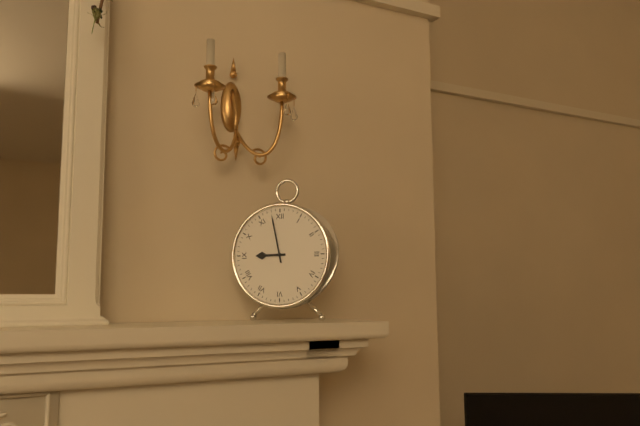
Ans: 8:58
